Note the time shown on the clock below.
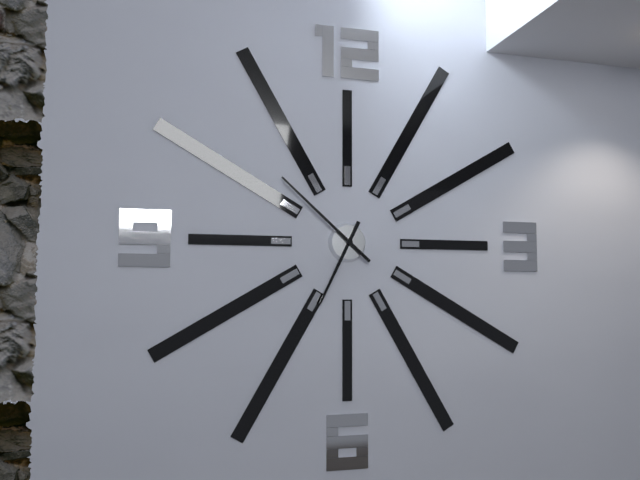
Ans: 6:52
